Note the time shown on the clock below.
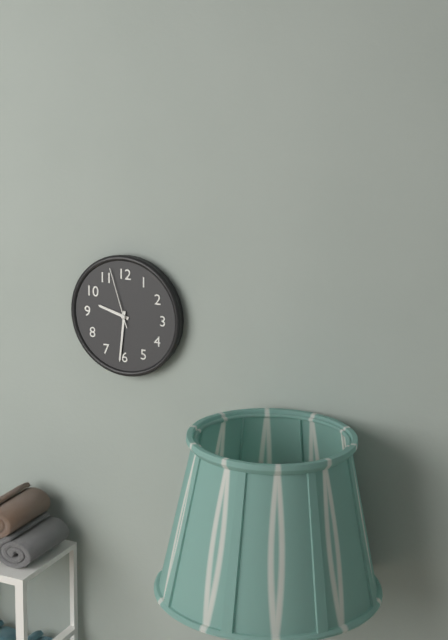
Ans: 9:31:57
